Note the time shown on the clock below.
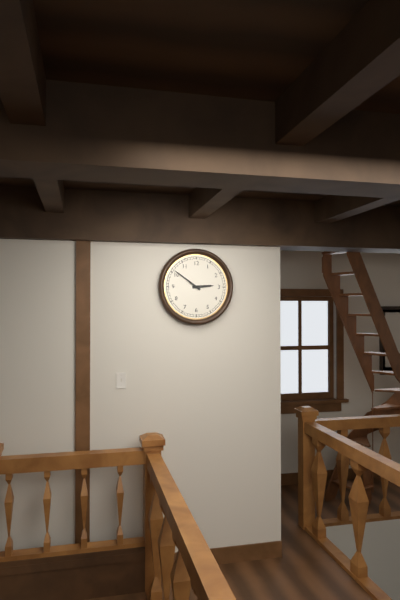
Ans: 2:51
